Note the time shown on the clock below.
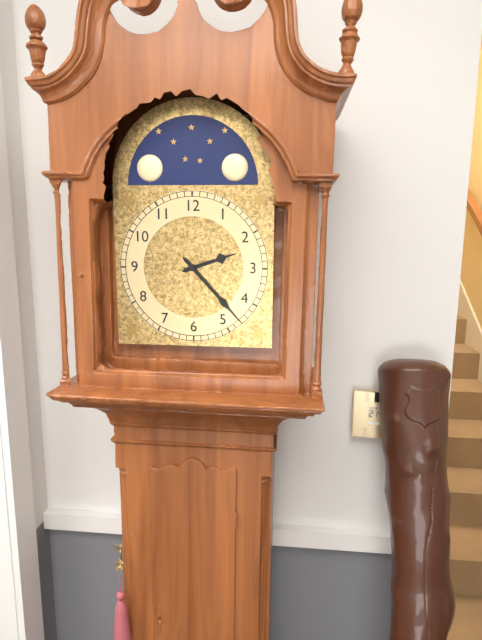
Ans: 2:23
